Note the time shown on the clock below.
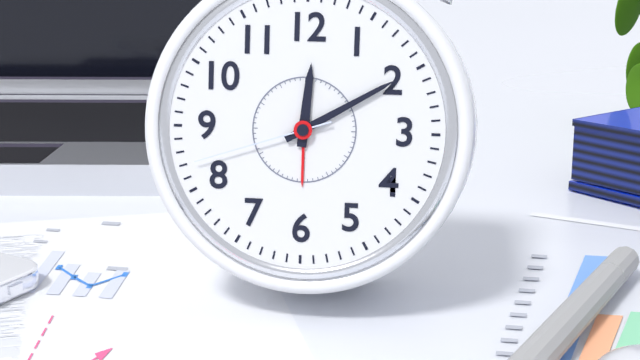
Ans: 12:10:42
